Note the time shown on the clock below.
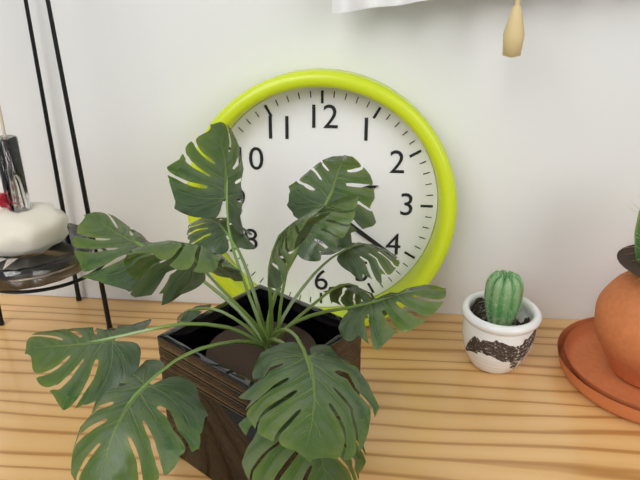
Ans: 2:21
